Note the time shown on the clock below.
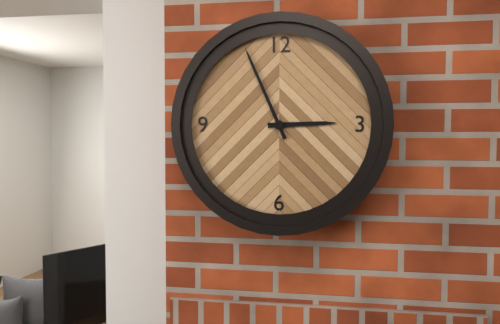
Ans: 2:56
